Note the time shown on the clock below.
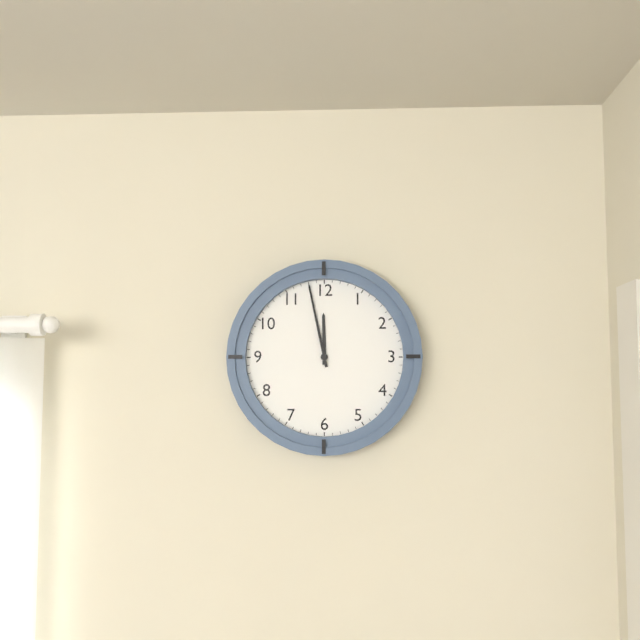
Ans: 11:58
